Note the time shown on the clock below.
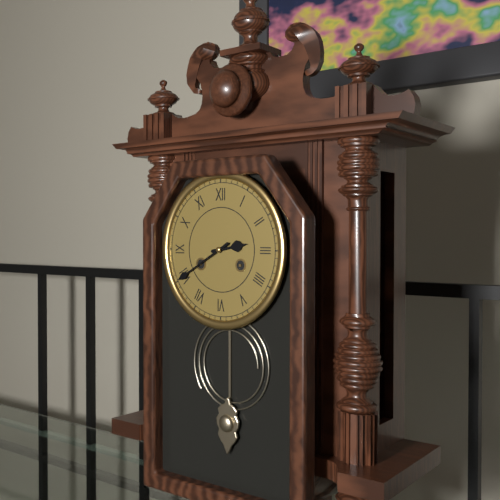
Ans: 2:40
